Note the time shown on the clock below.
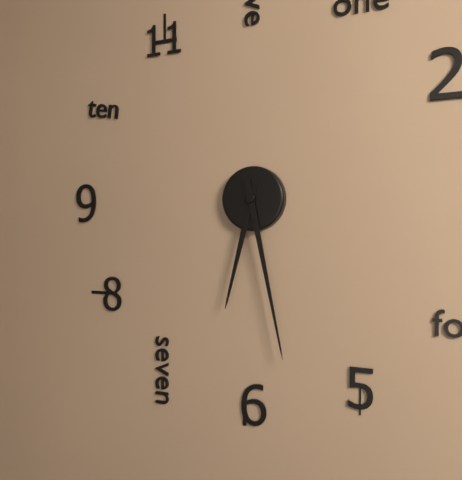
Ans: 6:28
